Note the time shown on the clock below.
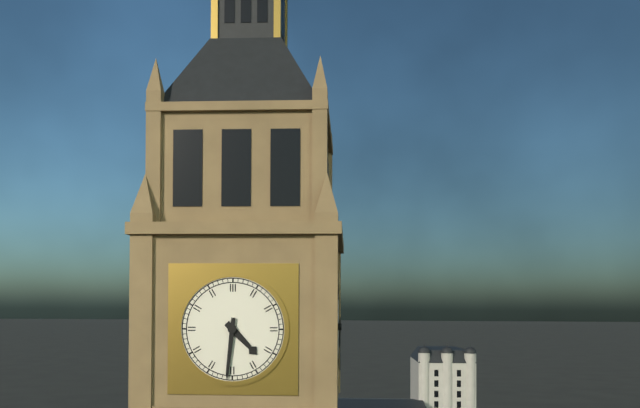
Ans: 4:31
